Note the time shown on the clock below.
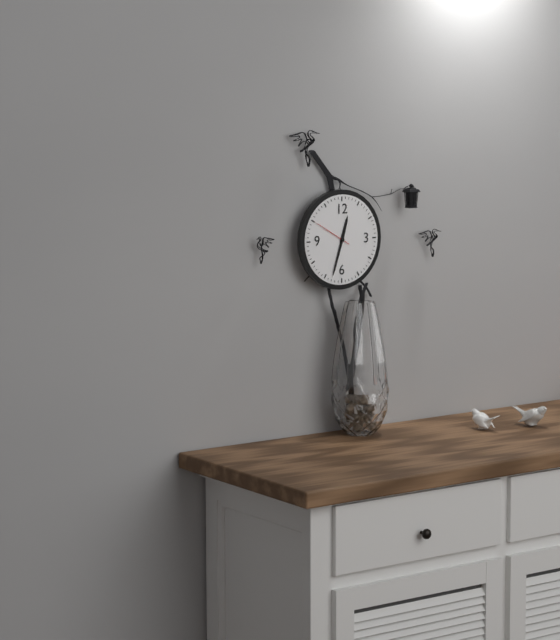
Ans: 12:33
